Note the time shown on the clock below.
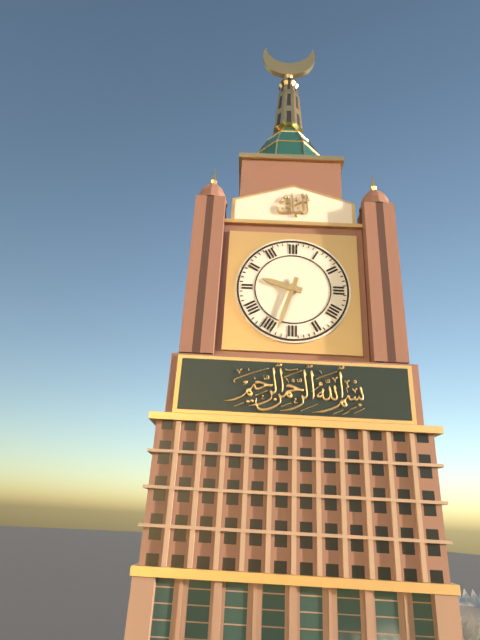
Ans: 9:33
